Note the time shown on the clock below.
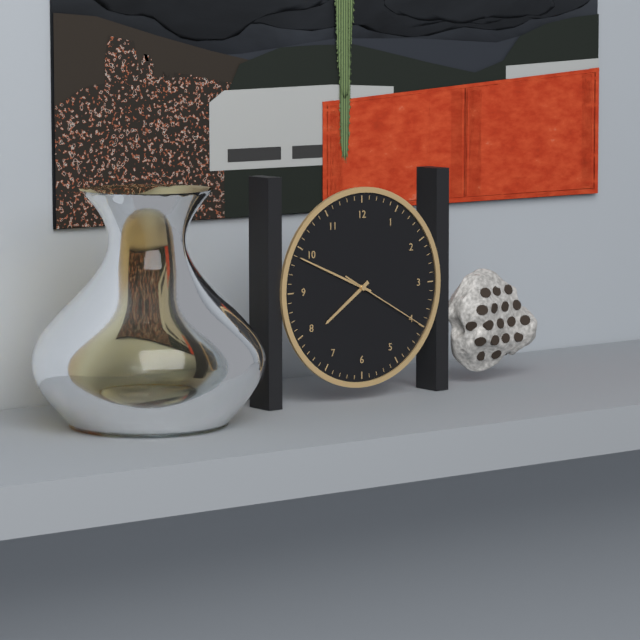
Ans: 7:49:20
